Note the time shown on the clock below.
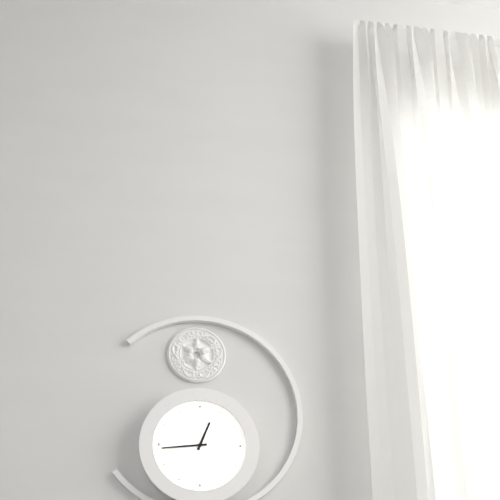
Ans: 12:44
